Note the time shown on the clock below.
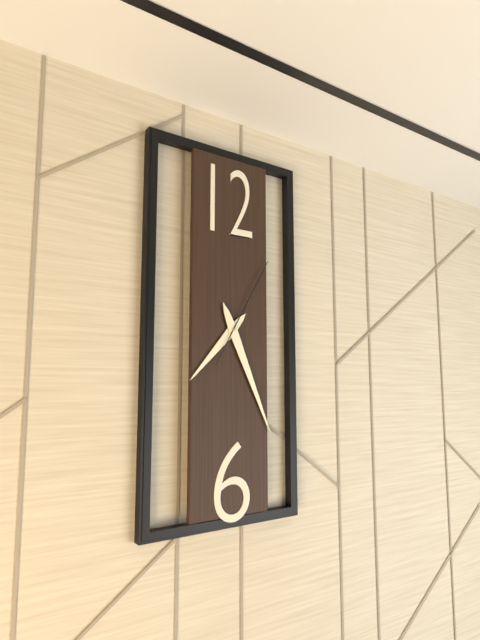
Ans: 7:26:05
